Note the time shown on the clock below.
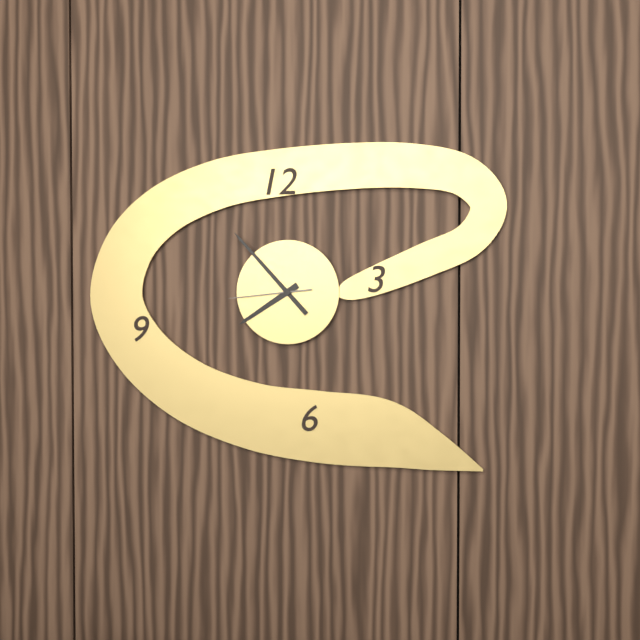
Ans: 7:53:44
